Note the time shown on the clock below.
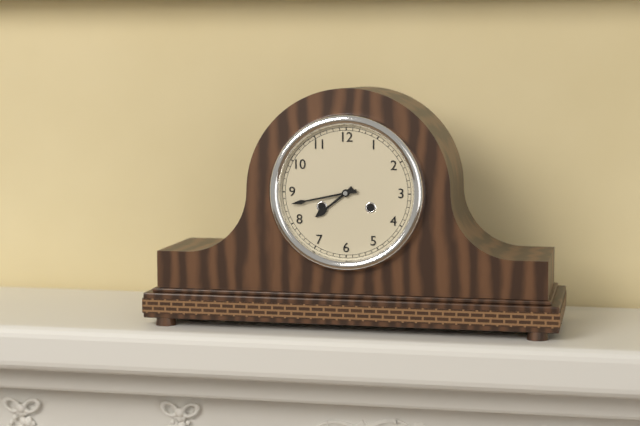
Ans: 7:43
